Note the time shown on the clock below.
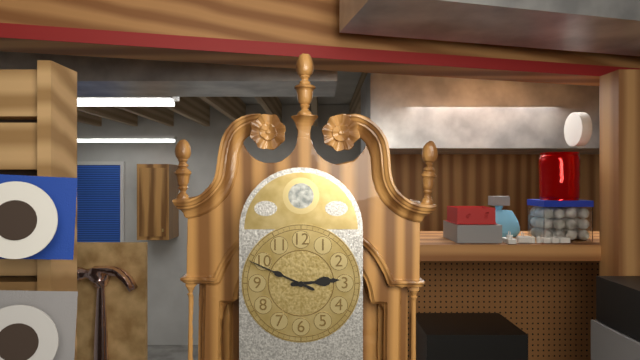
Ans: 2:49
